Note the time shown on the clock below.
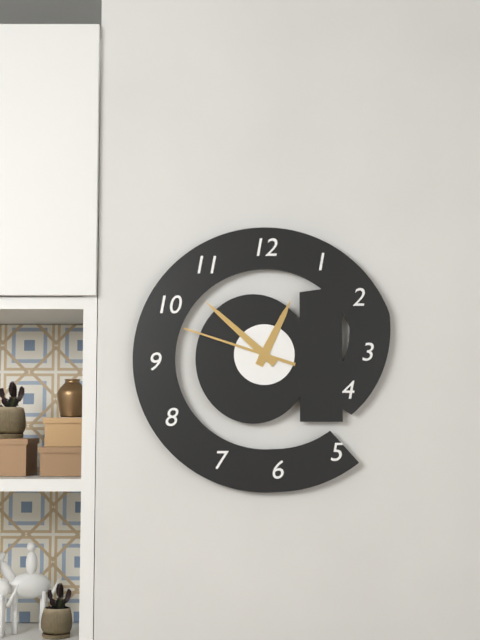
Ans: 12:52:48
